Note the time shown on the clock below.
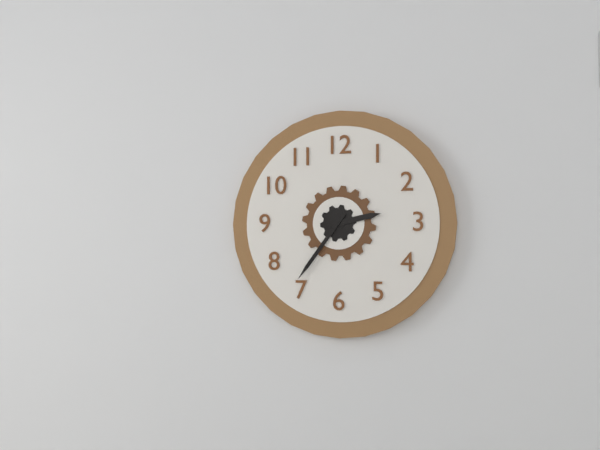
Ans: 2:36
